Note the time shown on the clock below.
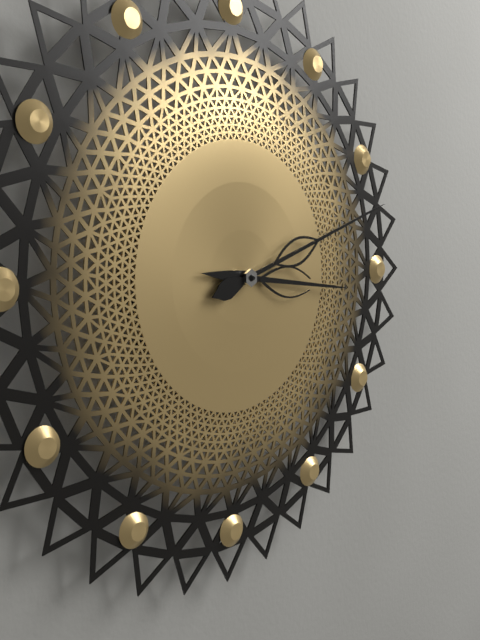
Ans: 3:12
